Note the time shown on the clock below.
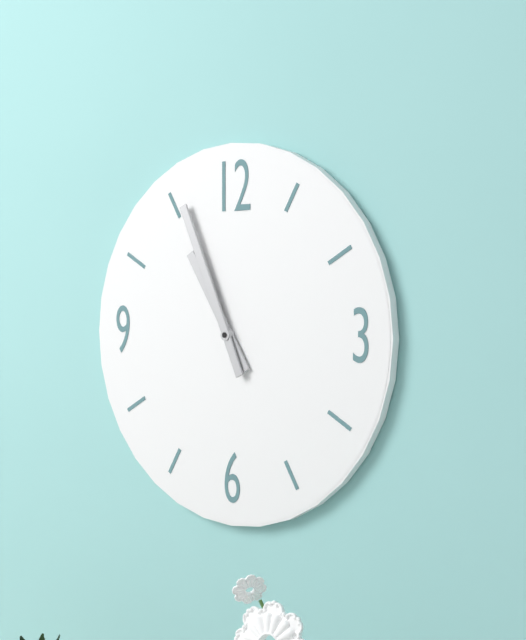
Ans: 10:56
